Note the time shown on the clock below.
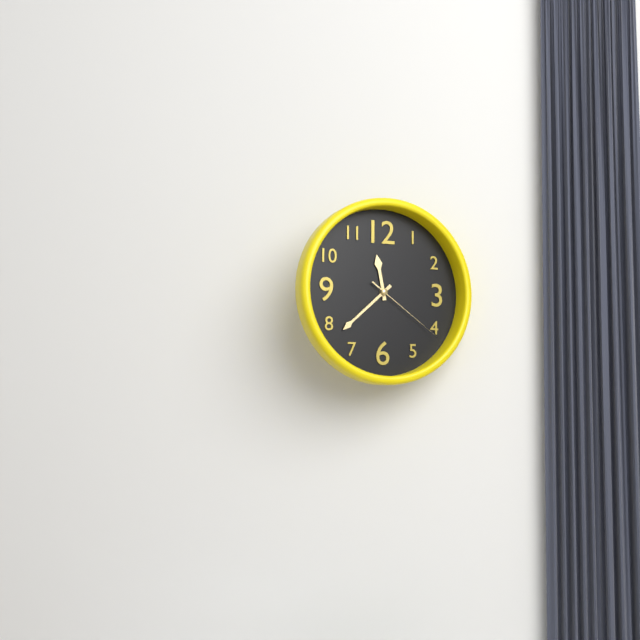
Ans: 11:38:21
